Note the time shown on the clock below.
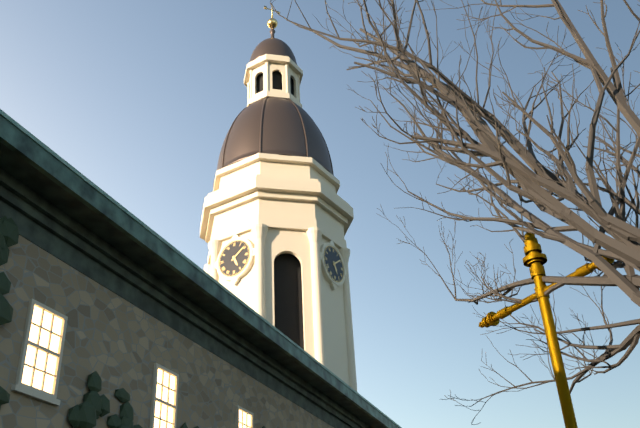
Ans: 5:09
